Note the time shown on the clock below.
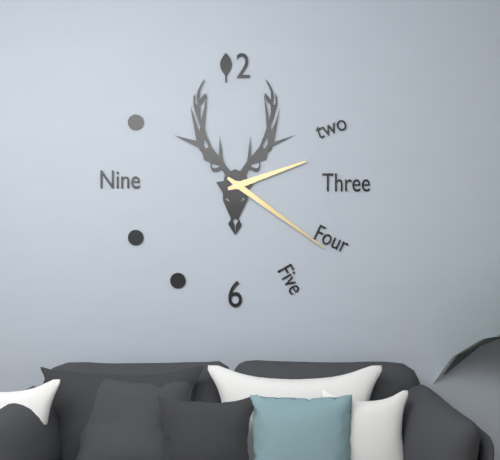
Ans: 2:21
